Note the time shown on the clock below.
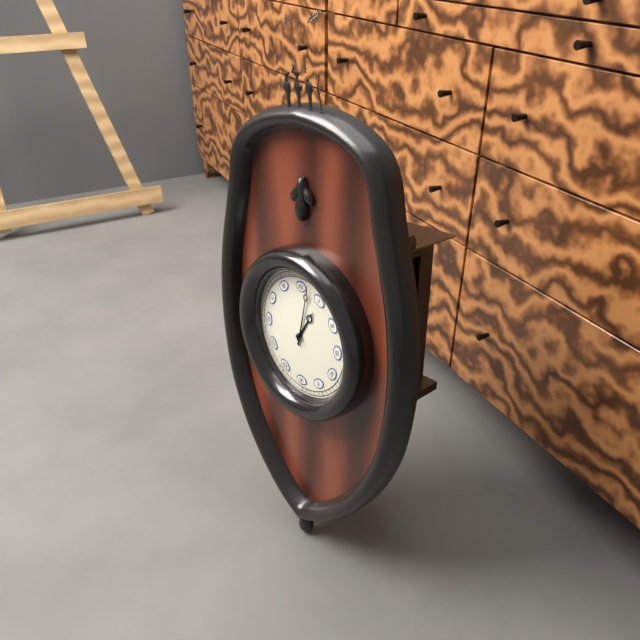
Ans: 1:02
